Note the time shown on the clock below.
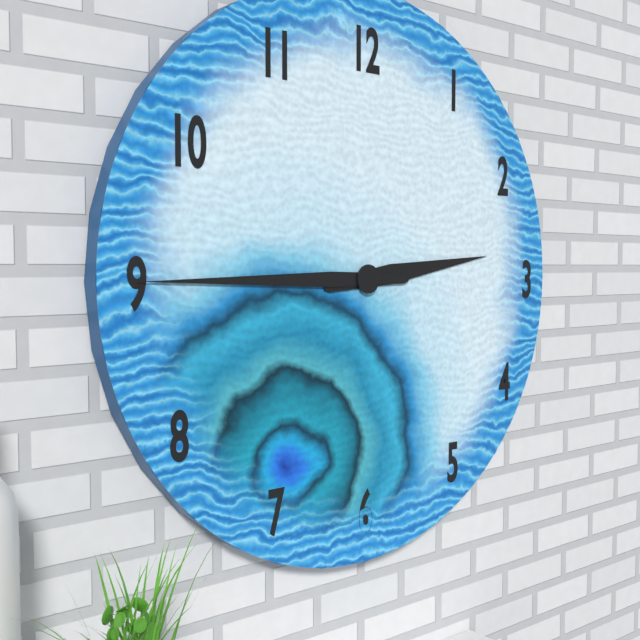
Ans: 2:45
